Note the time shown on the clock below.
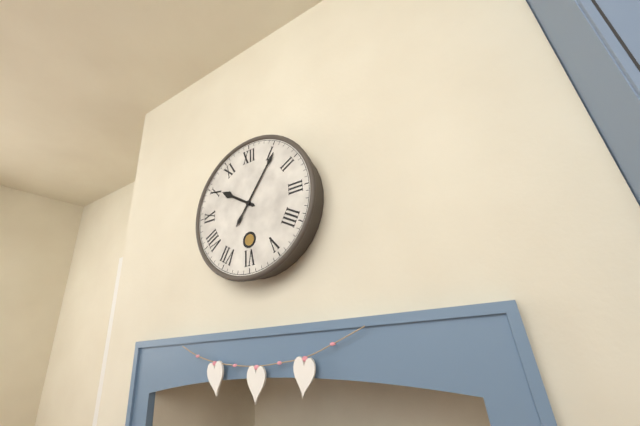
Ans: 10:06
